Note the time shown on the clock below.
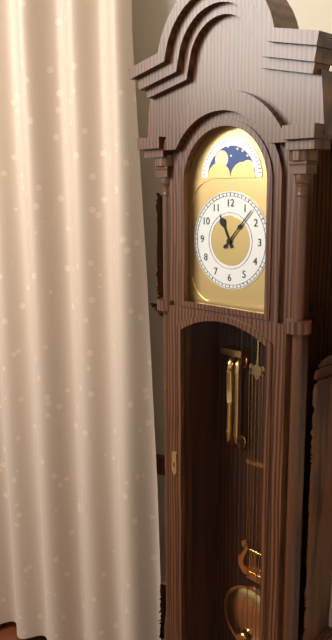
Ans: 11:07
